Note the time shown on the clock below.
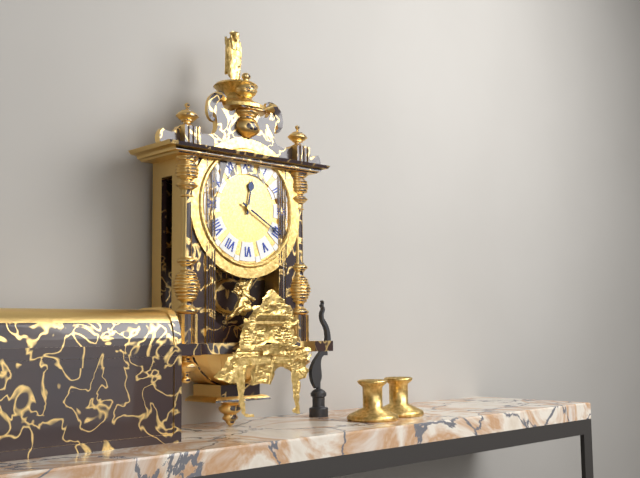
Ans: 12:20
